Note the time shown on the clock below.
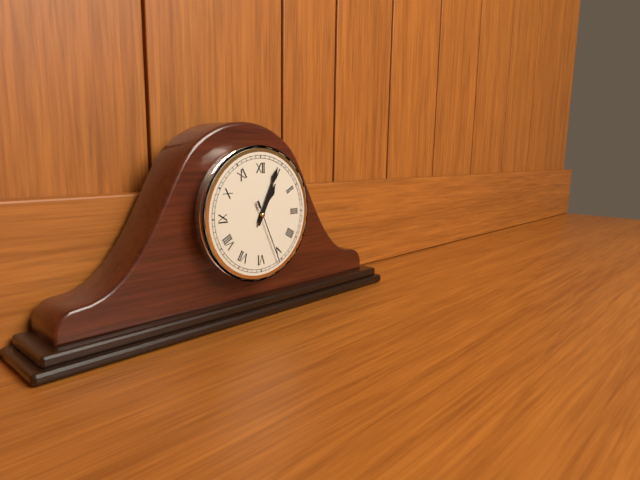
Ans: 1:04:26
